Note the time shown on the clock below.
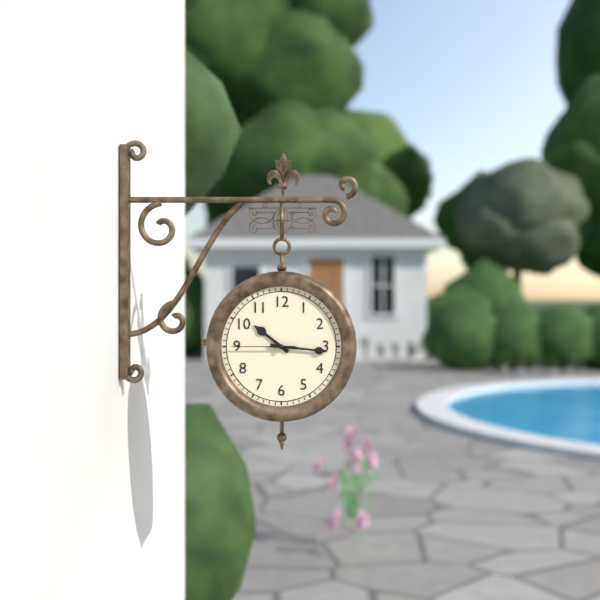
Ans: 10:16:45
